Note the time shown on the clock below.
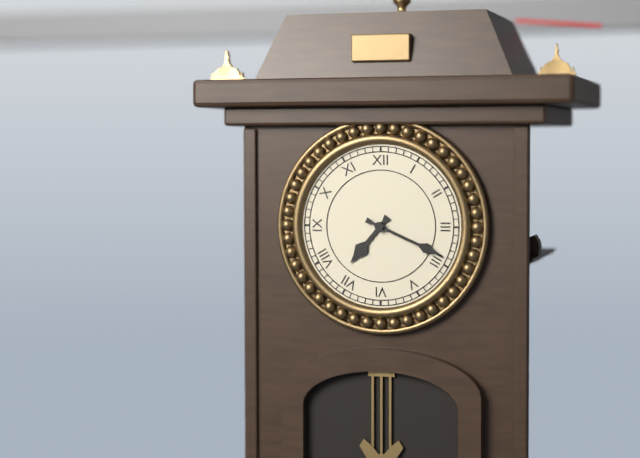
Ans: 7:19
